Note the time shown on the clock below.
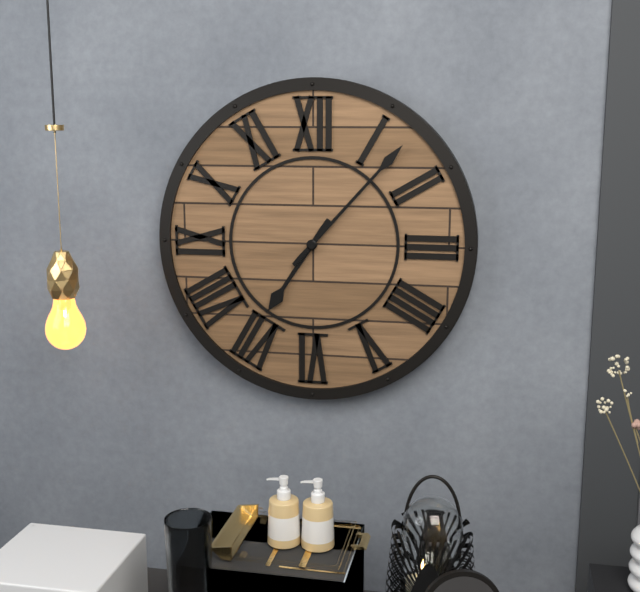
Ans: 7:07
